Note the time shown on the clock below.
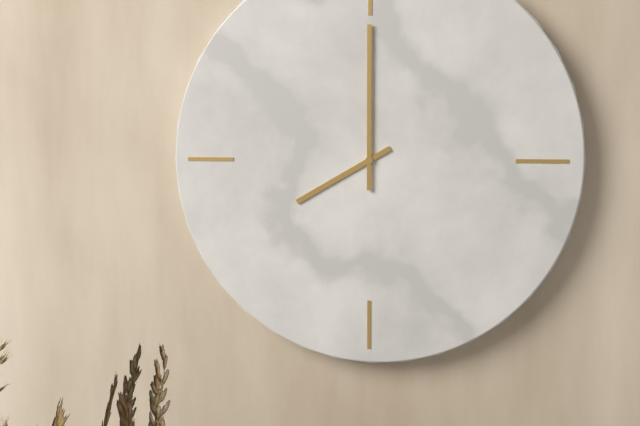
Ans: 8:00
